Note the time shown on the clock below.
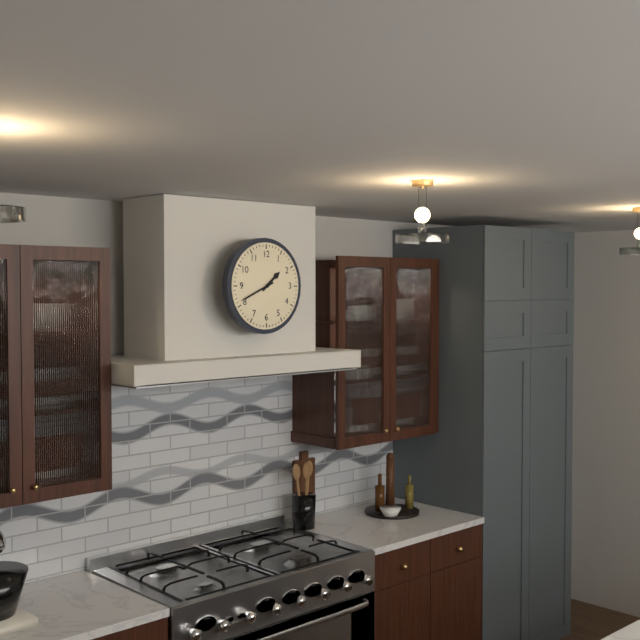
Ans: 1:41
